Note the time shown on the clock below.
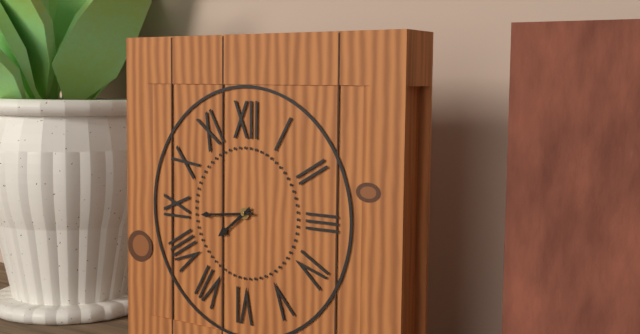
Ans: 7:44
